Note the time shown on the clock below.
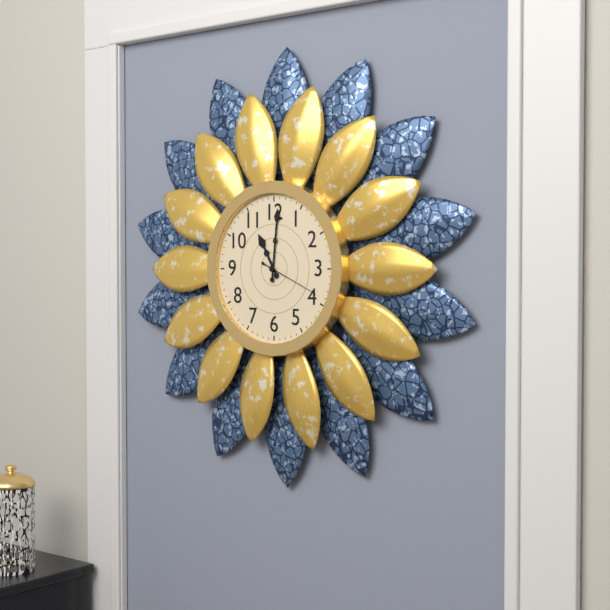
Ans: 11:01:19
